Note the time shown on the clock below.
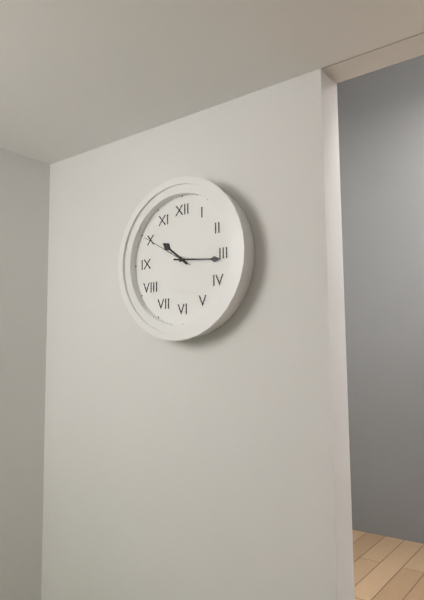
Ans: 10:16:50
